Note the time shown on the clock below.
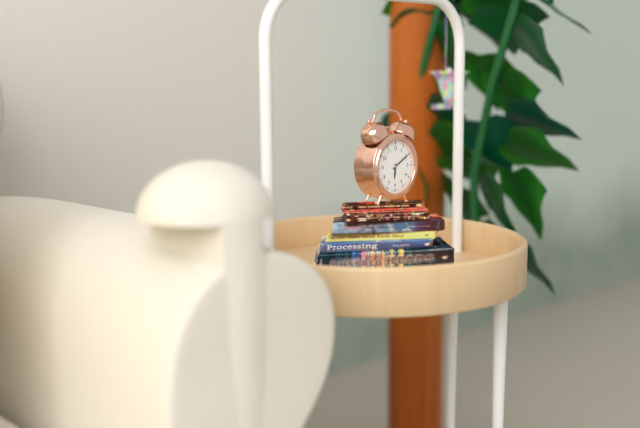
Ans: 6:10
